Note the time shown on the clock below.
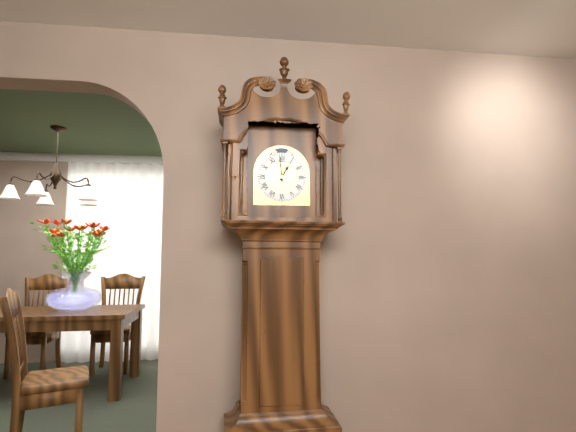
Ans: 12:59
